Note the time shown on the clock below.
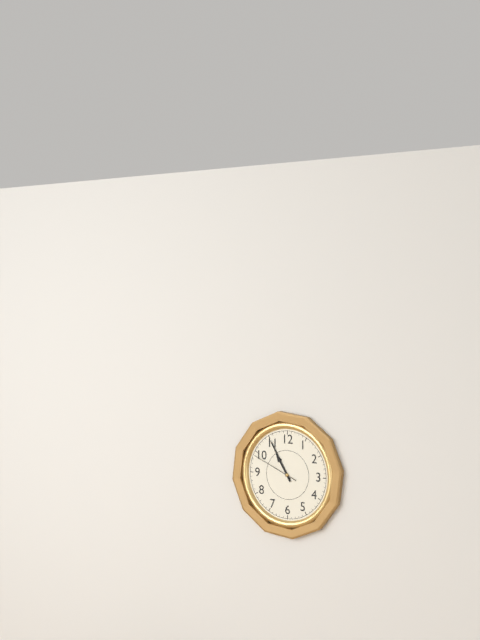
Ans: 10:55
